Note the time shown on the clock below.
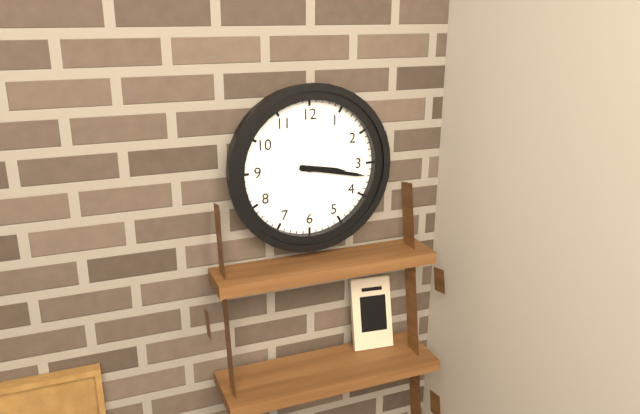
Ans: 3:17
